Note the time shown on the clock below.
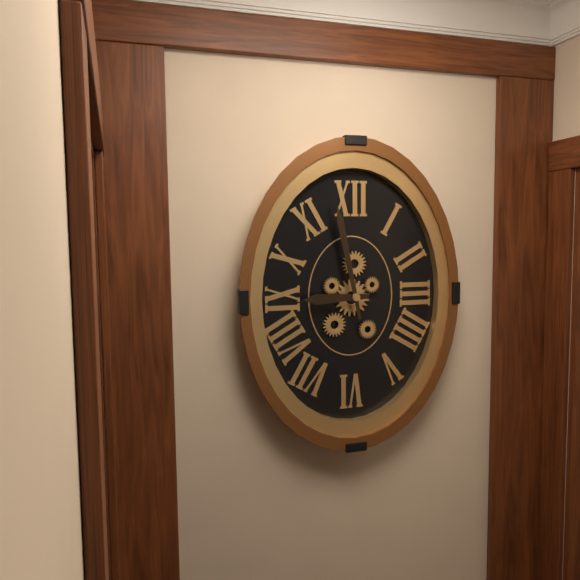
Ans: 8:58
